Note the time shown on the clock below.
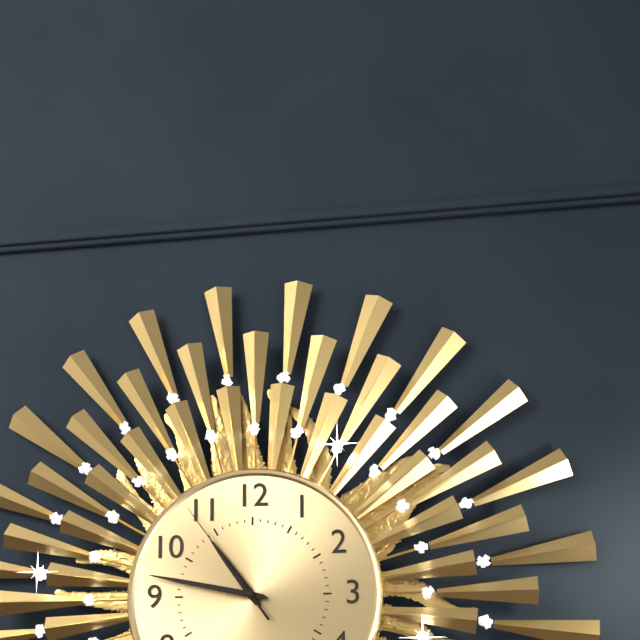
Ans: 10:47:54
